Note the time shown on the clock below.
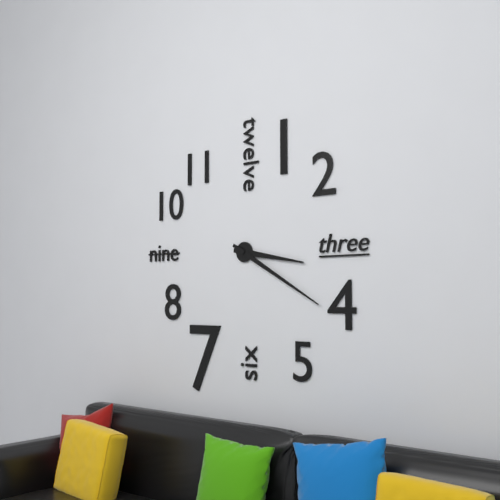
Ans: 3:20
